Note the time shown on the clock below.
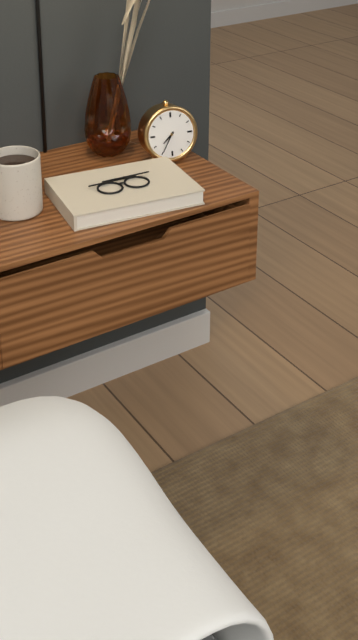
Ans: 7:35
